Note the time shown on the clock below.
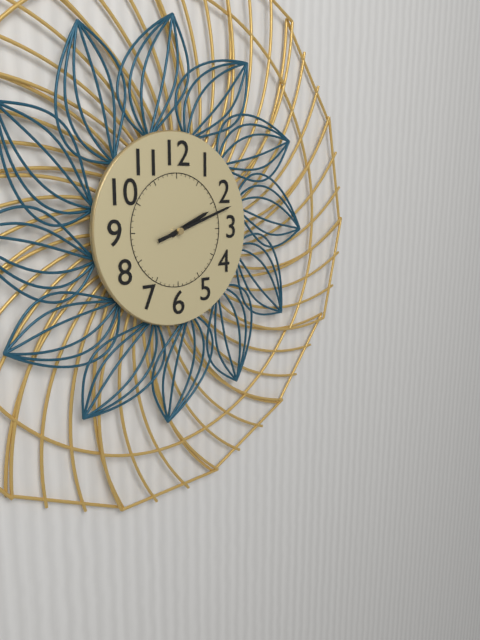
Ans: 2:12
